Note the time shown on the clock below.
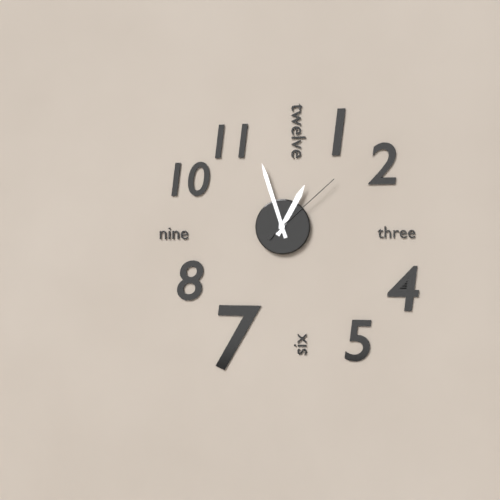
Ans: 12:57:08
